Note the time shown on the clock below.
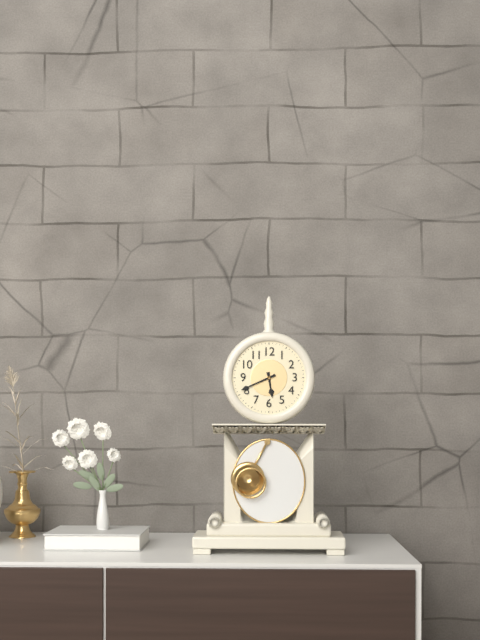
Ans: 5:41
